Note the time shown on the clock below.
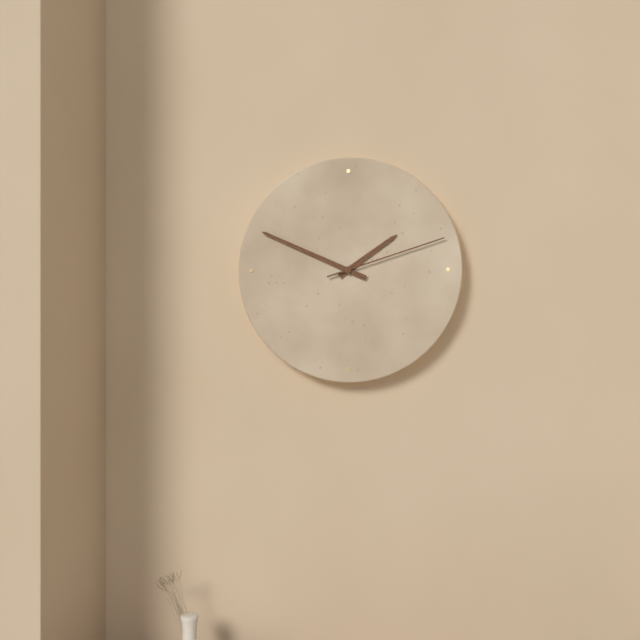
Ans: 1:49:12
